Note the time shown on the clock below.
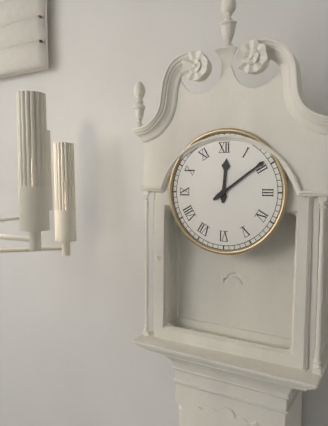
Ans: 12:09
